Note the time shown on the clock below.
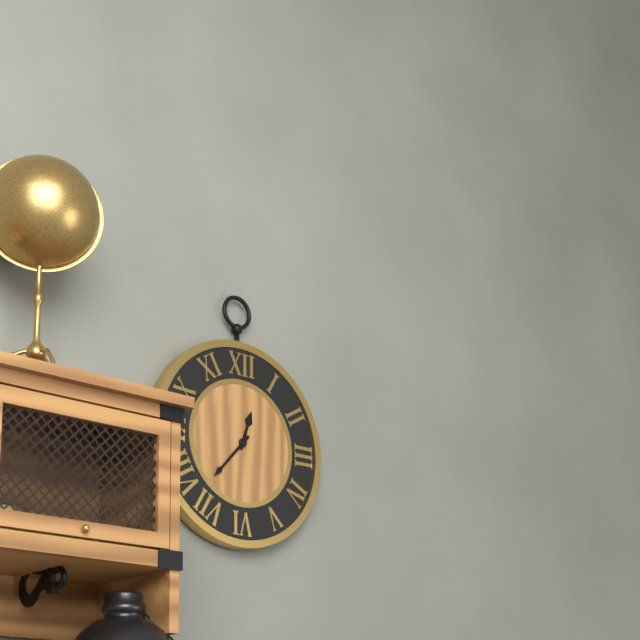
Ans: 12:37
